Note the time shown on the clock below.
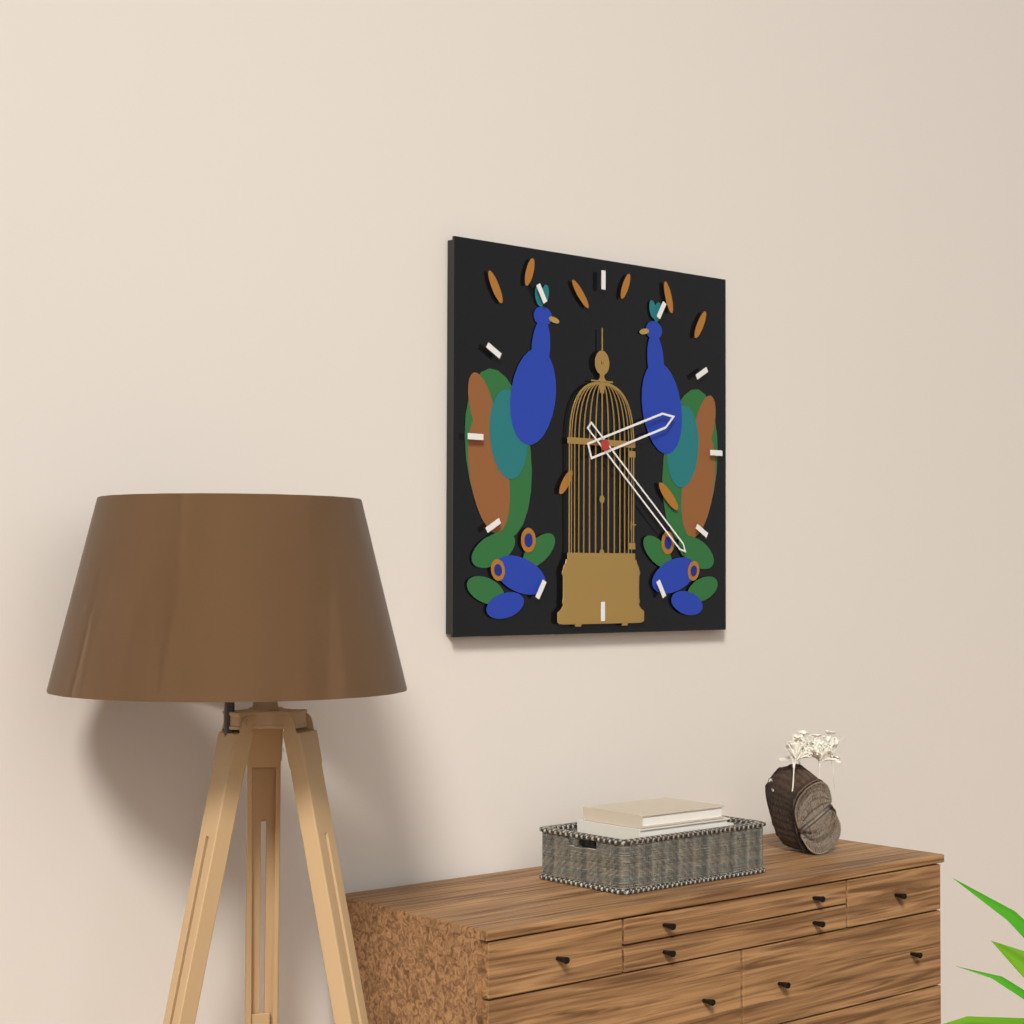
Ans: 2:22
